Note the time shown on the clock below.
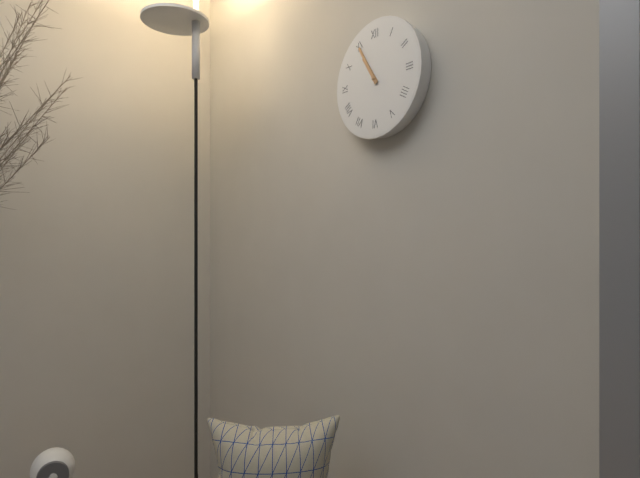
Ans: 10:55
